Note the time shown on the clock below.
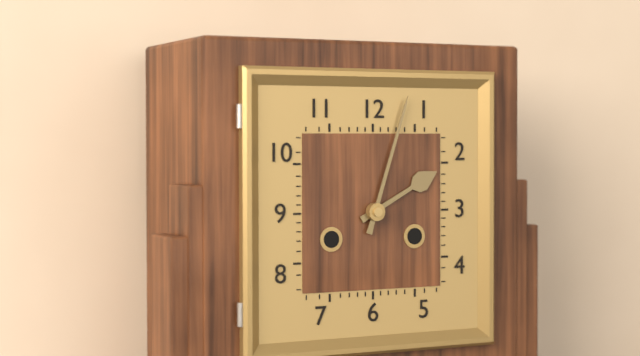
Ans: 2:03
